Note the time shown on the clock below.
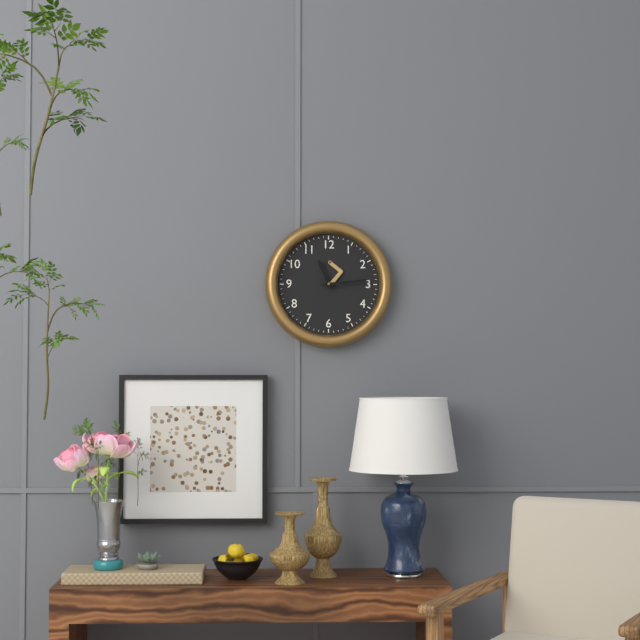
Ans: 11:14
